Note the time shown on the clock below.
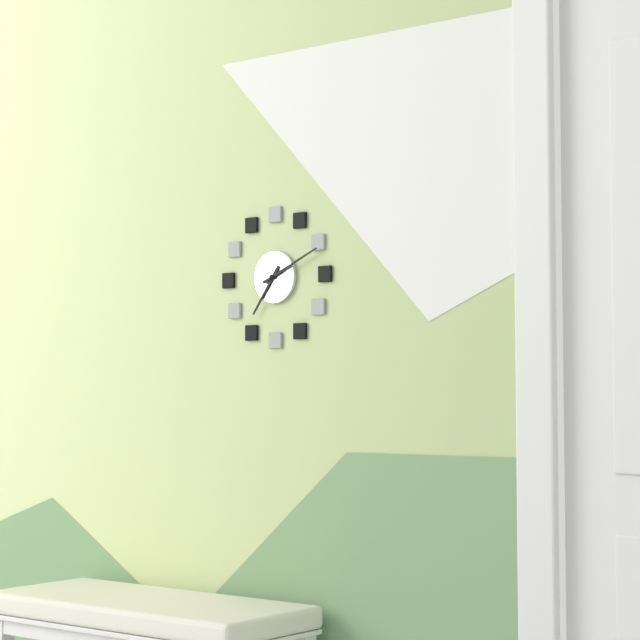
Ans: 7:11
